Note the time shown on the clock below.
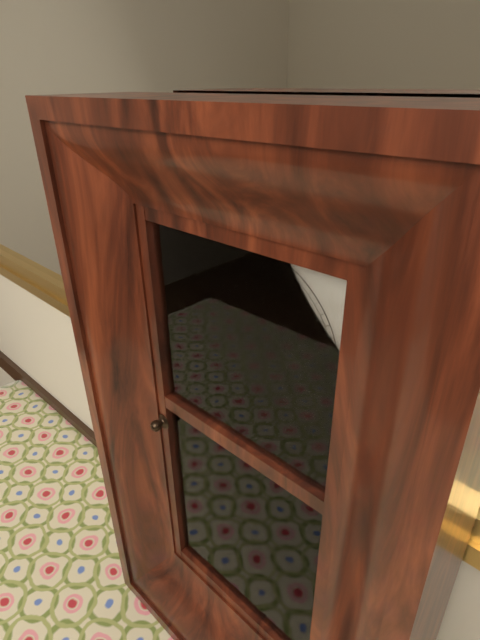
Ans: 4:36
